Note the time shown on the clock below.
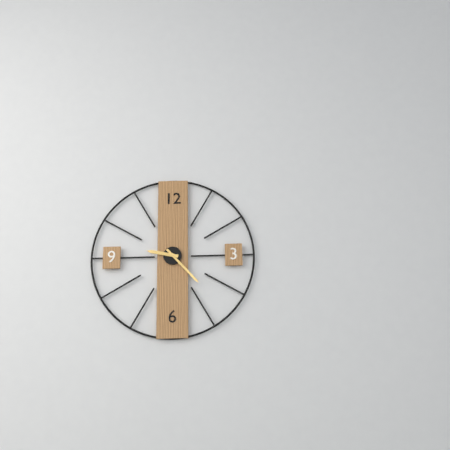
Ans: 9:23
